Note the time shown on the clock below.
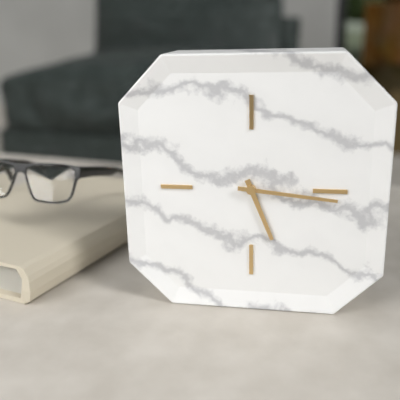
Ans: 5:16
